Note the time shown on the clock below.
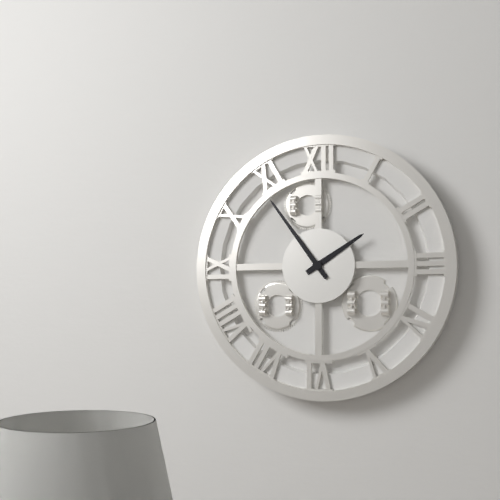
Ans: 1:54
